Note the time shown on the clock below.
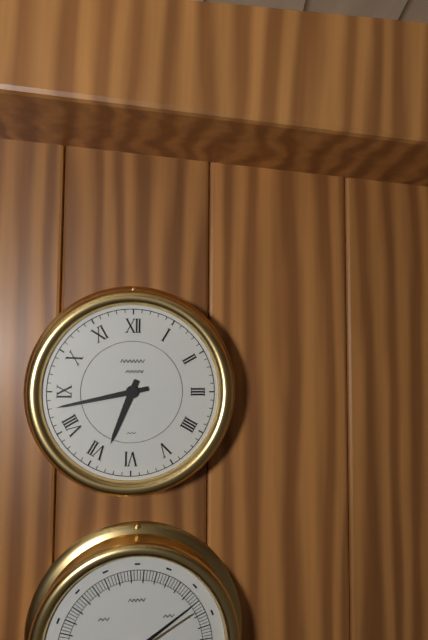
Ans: 6:43
